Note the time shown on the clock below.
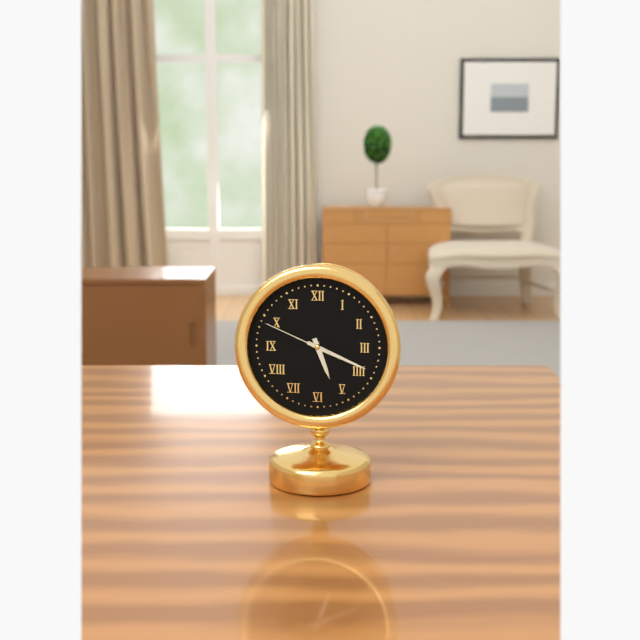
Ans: 5:19:49
